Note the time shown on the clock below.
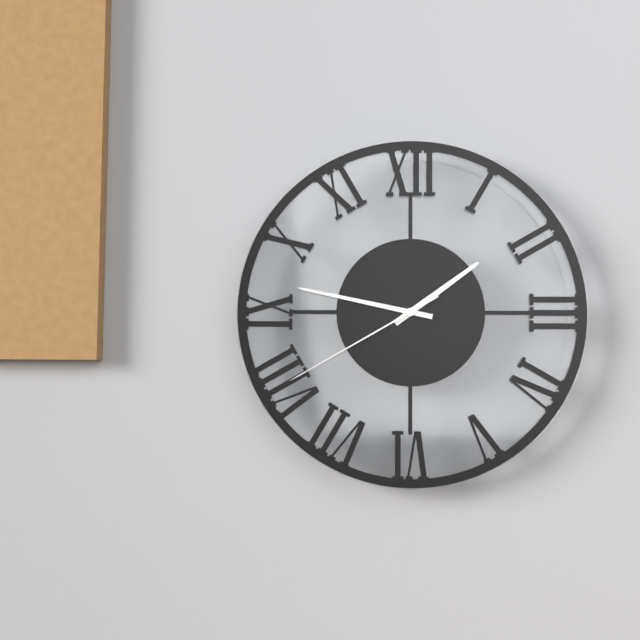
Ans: 1:47:40
